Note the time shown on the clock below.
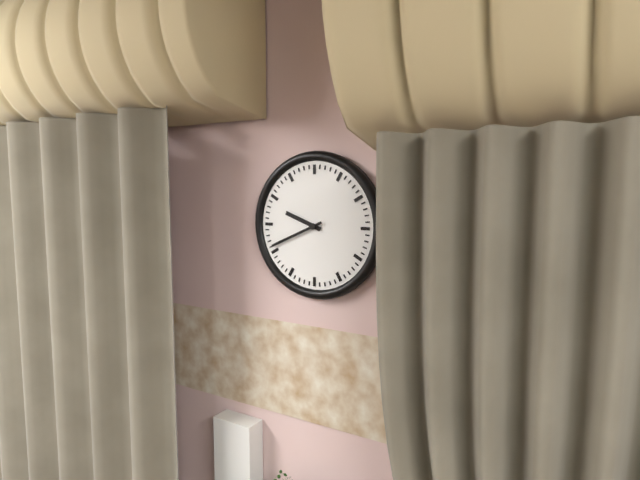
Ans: 9:41
